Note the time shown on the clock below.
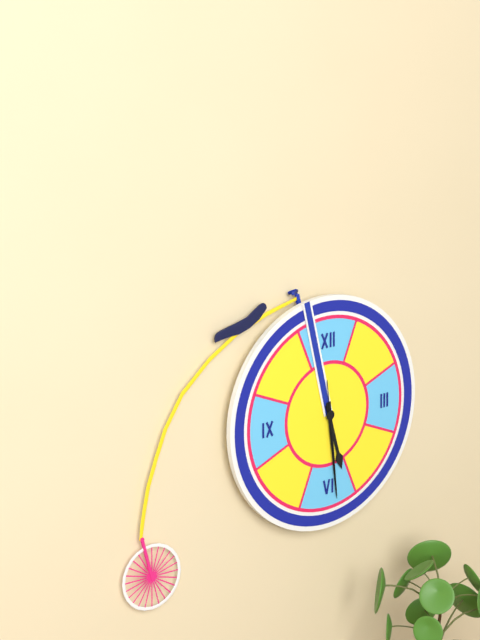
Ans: 5:29:29
